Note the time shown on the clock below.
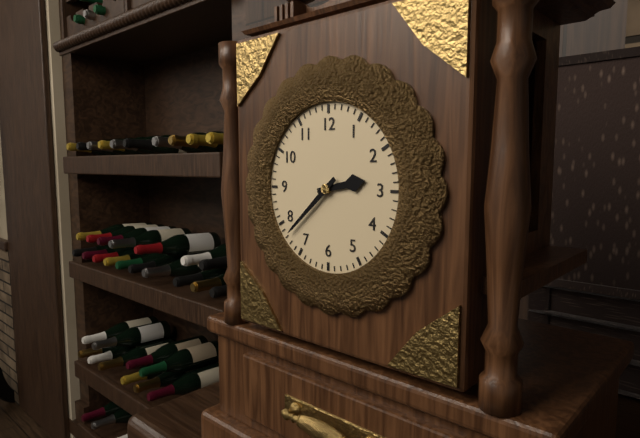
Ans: 2:38
